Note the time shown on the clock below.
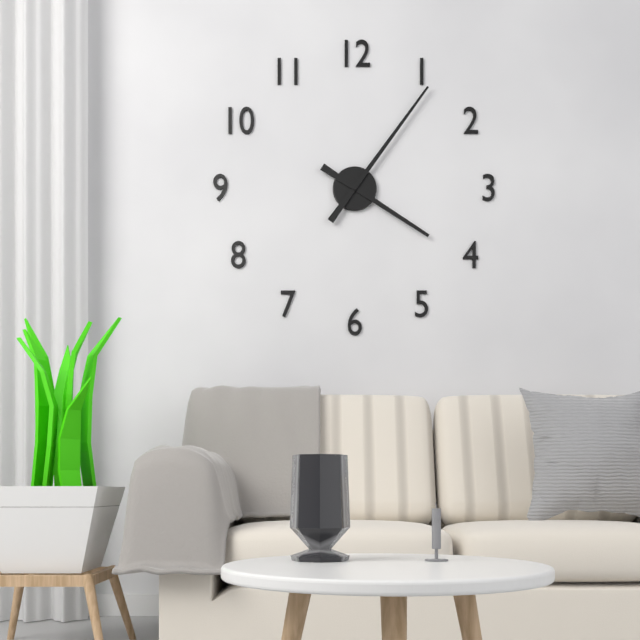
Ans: 4:06
